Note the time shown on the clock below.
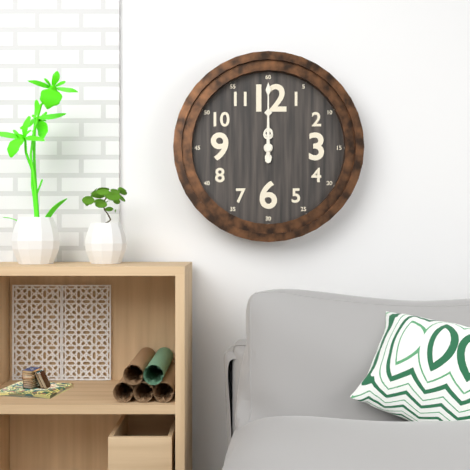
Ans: 12:00
